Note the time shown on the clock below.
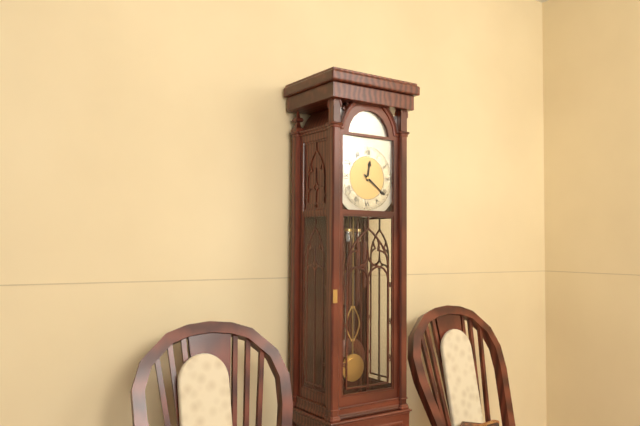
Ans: 12:21
